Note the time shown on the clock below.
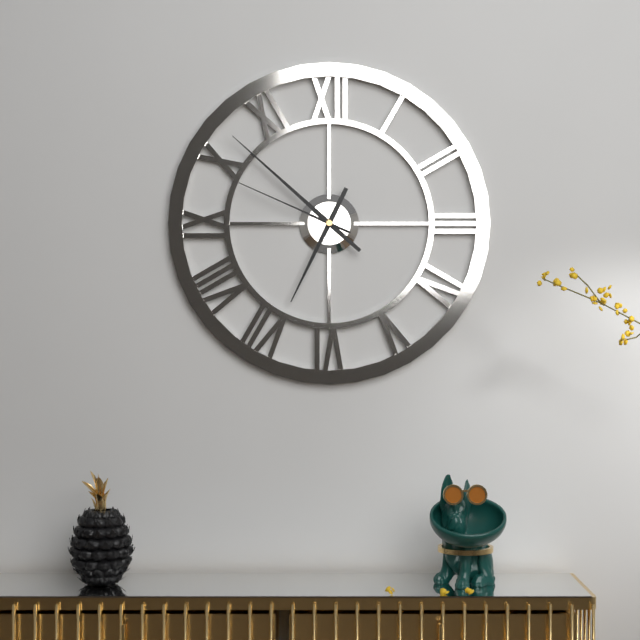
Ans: 6:52:49
